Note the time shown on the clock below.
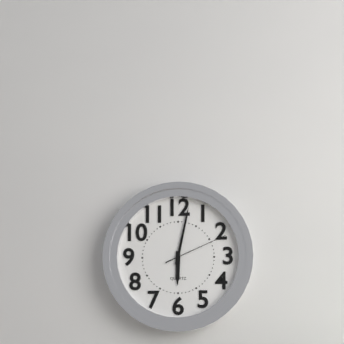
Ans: 6:02:11
